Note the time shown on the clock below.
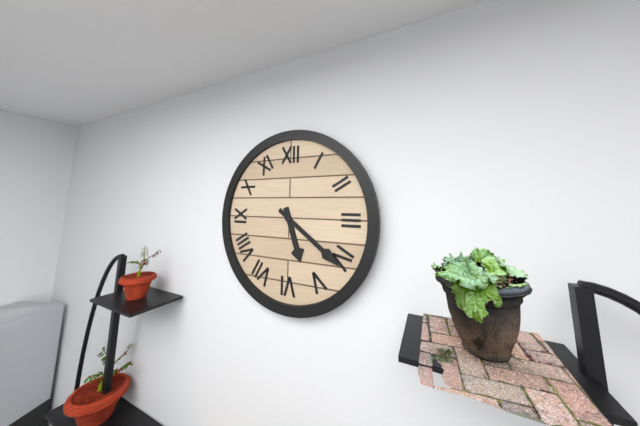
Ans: 5:21
